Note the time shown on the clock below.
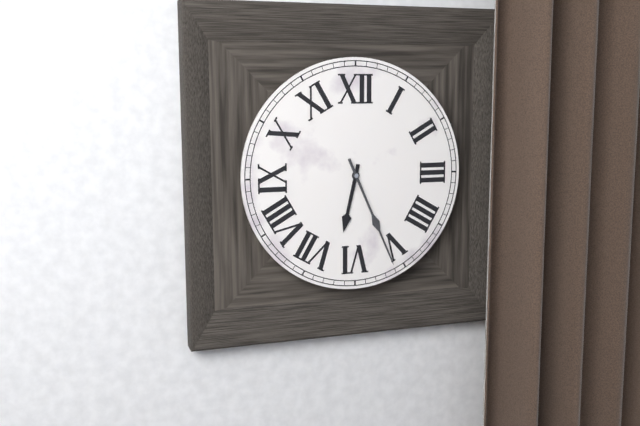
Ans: 6:26
